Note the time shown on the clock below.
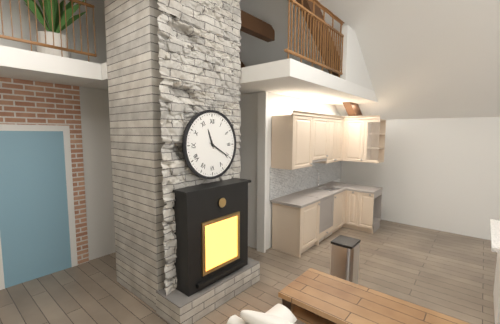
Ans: 11:20
